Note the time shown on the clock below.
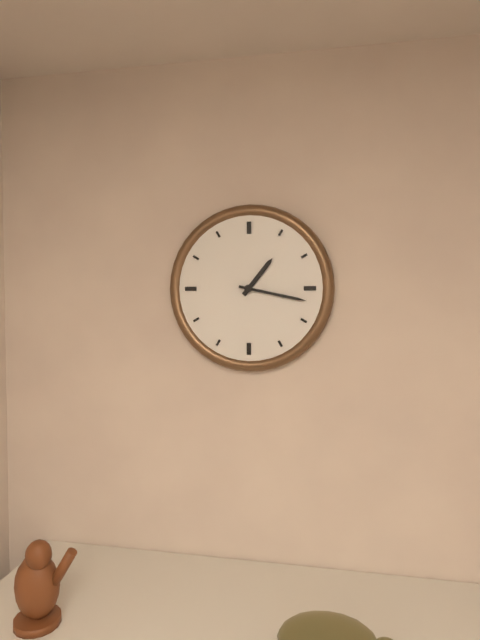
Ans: 1:17
